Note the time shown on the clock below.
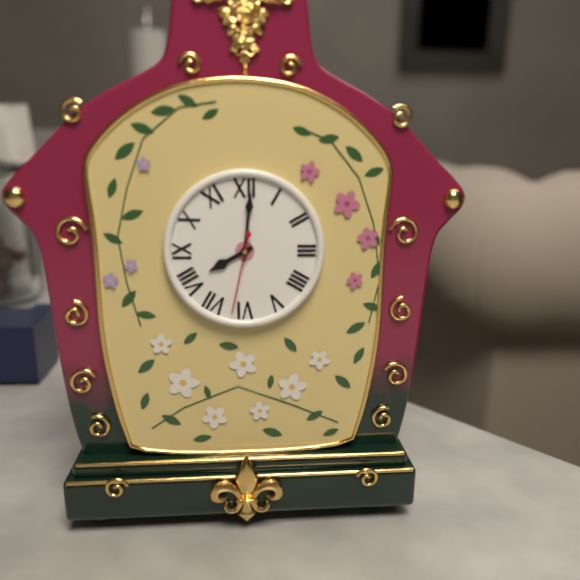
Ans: 8:01:32
